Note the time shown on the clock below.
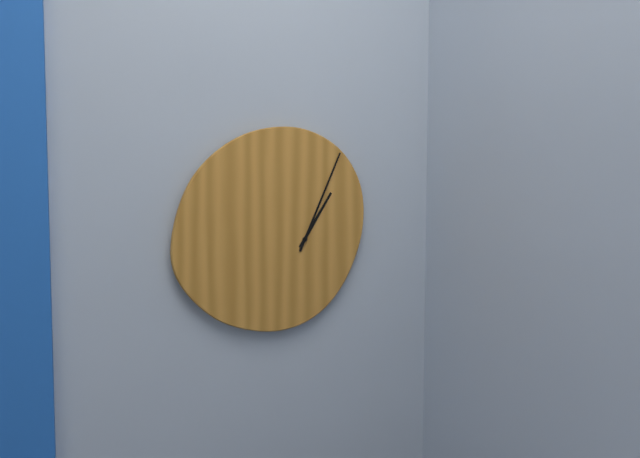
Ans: 1:04
